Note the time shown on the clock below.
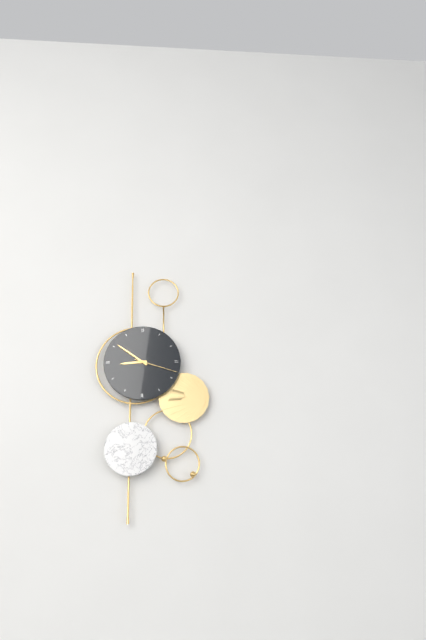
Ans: 8:51
